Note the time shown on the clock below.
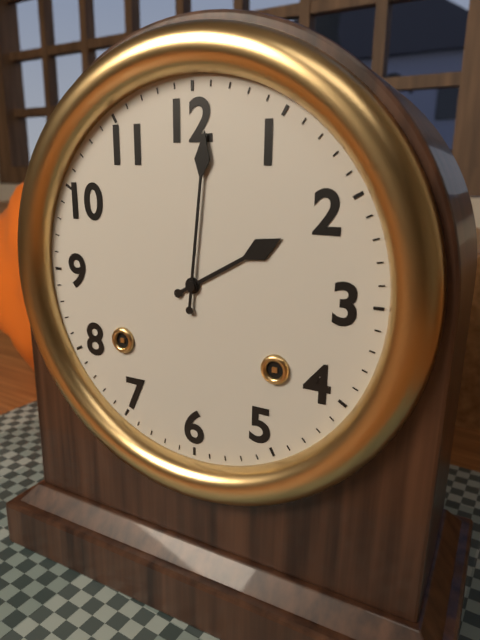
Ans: 2:01
